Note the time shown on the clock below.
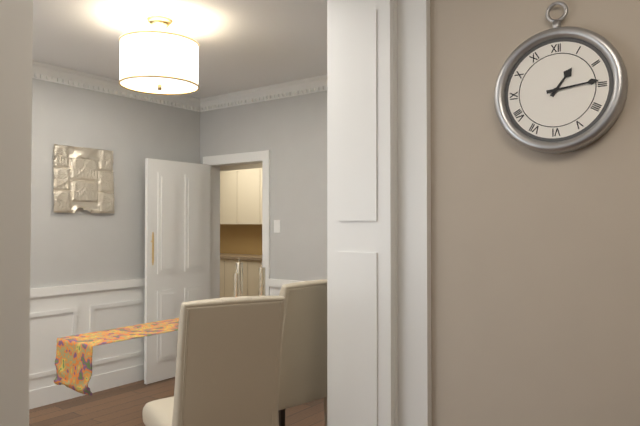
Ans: 1:14
